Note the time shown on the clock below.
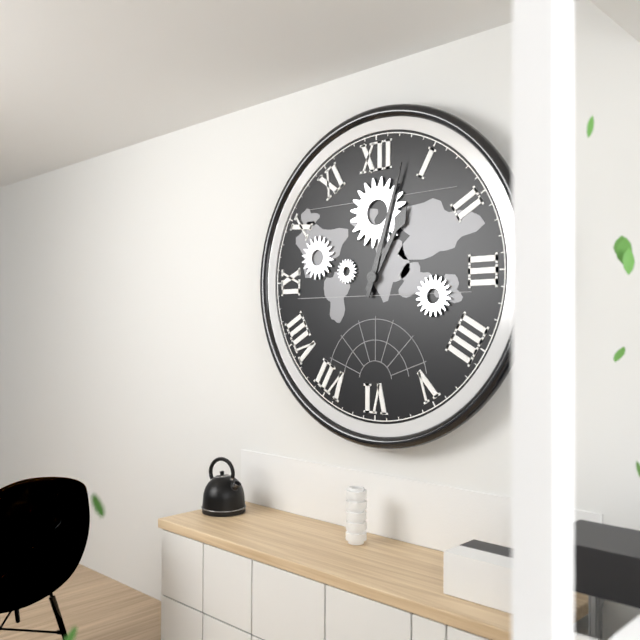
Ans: 1:03
